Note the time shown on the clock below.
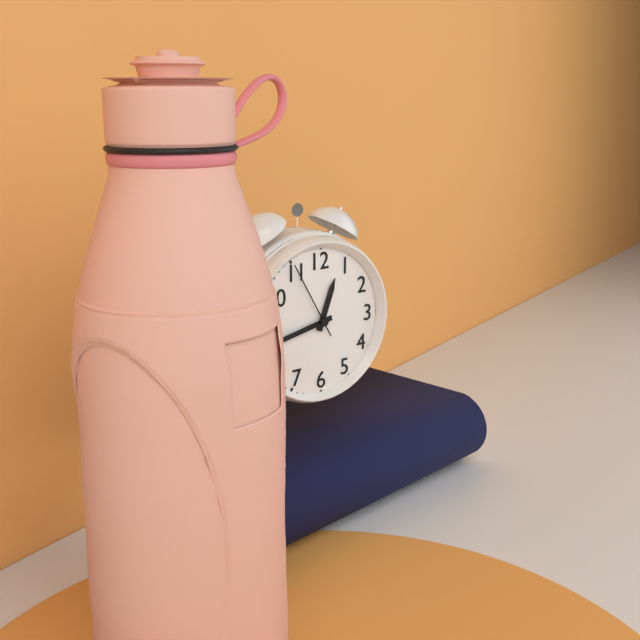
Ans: 12:43:55
